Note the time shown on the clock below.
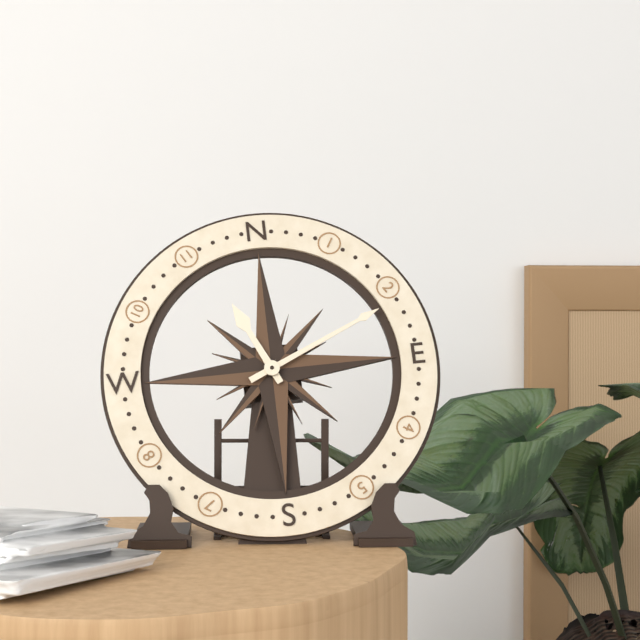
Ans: 11:11
